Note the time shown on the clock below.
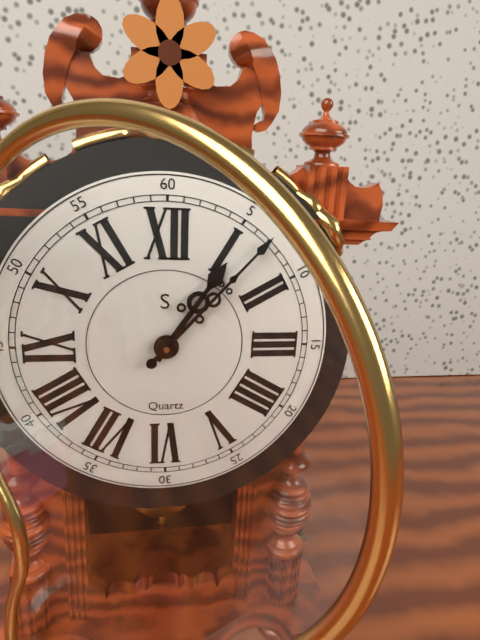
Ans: 1:07
